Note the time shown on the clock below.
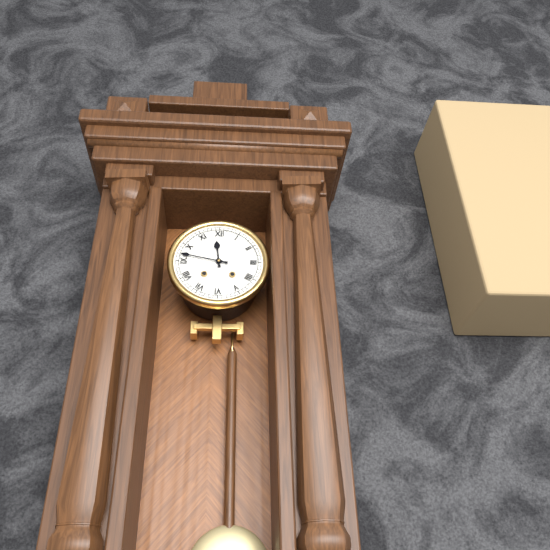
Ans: 11:47
